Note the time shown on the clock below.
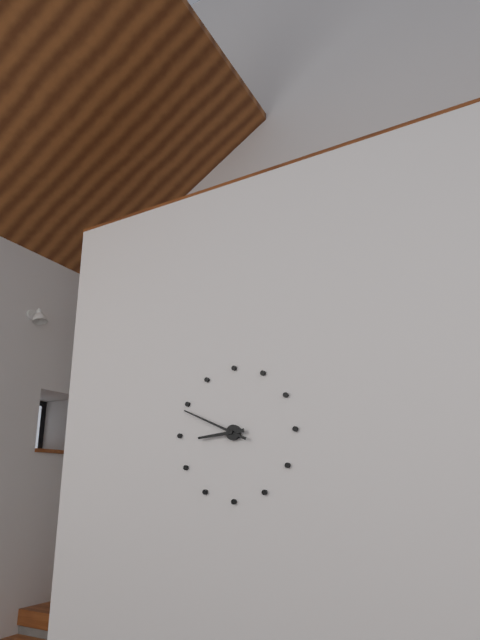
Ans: 8:49
